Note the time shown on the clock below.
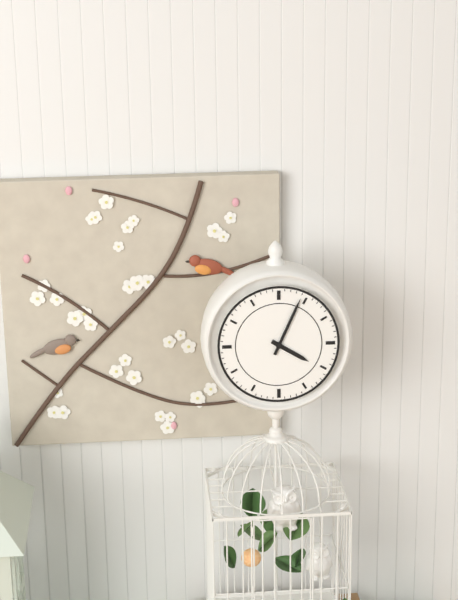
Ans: 4:04
